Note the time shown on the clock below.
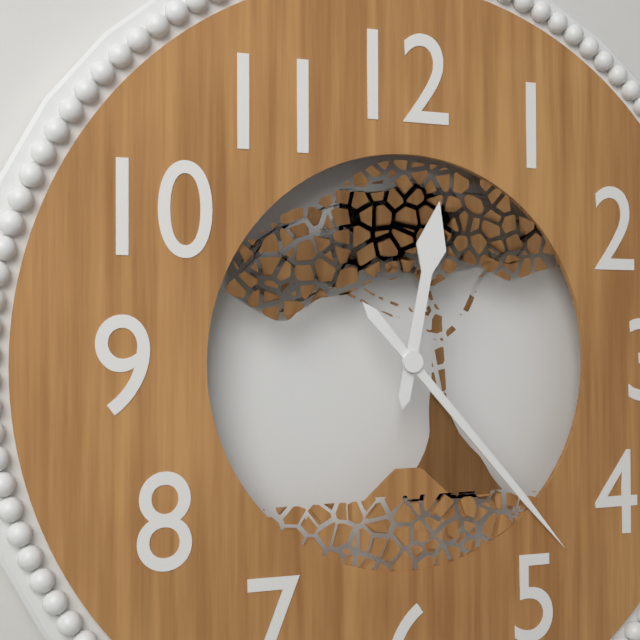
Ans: 12:23
